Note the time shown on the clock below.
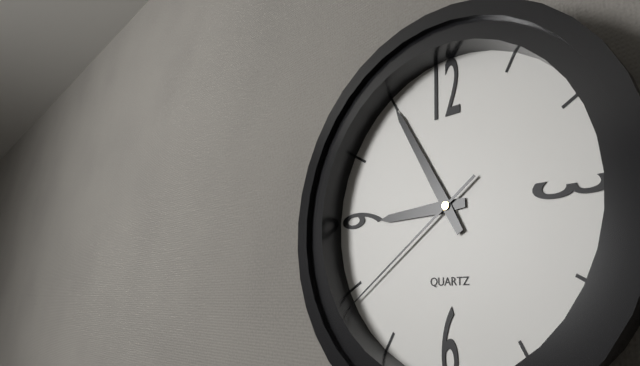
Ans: 8:55:39
